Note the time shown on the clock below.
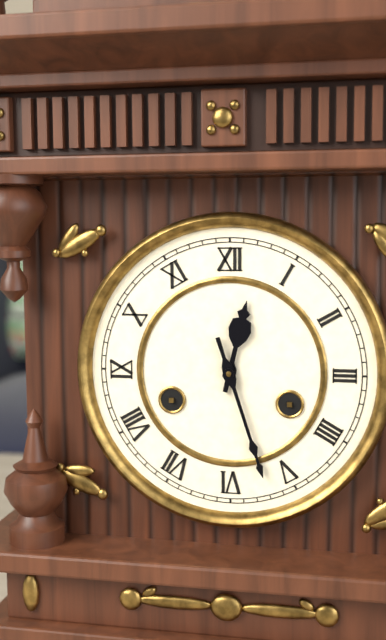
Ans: 12:27
